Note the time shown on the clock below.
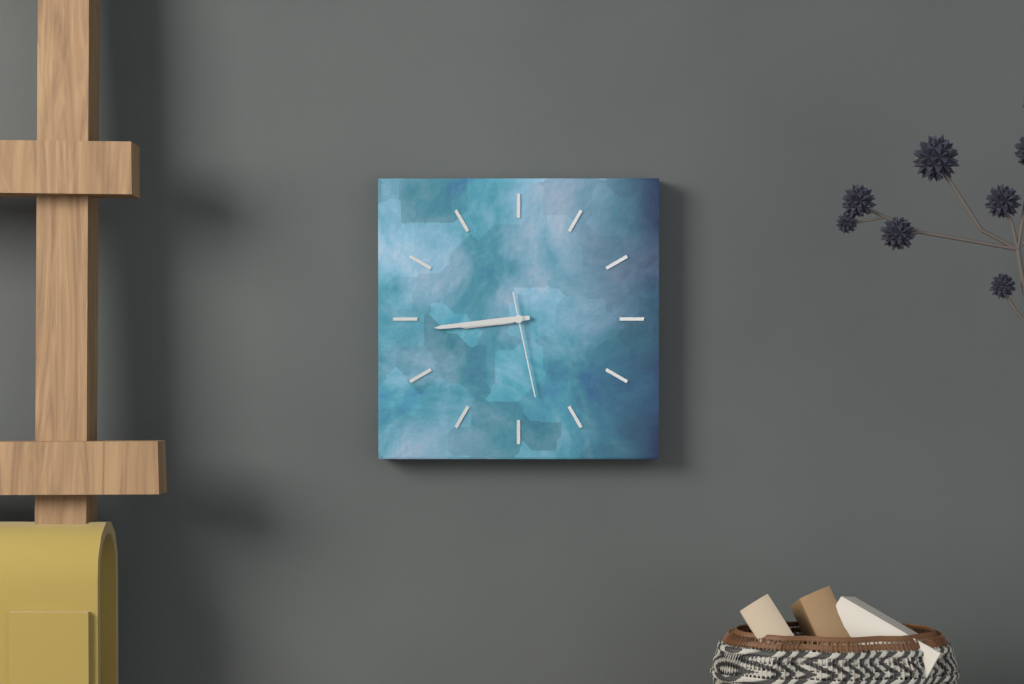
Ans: 8:44:28
